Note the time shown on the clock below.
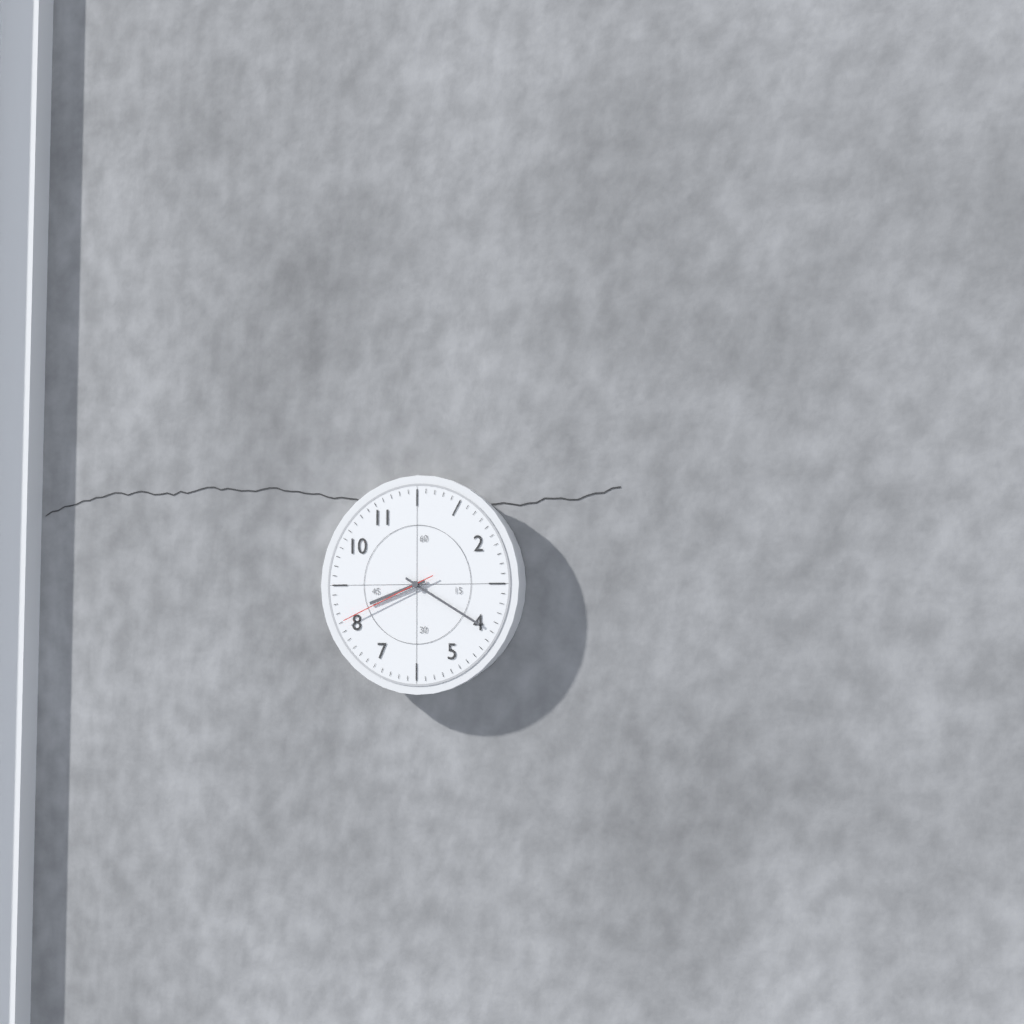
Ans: 8:20:41
